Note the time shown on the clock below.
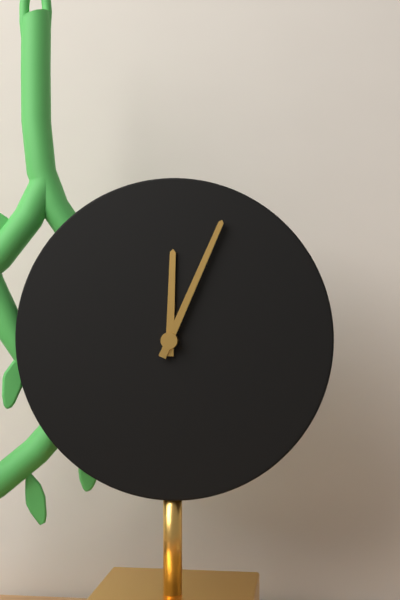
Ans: 12:04
